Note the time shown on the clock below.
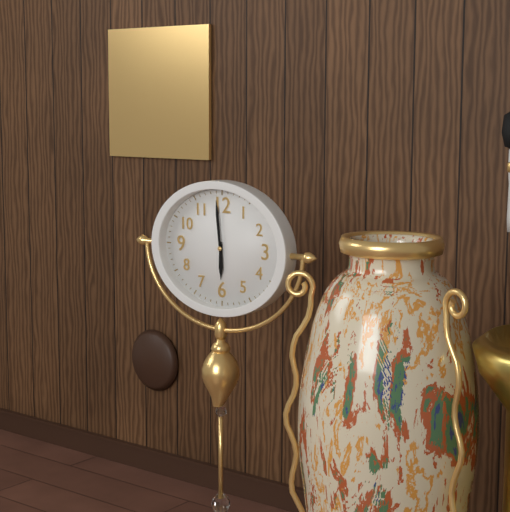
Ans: 5:59
